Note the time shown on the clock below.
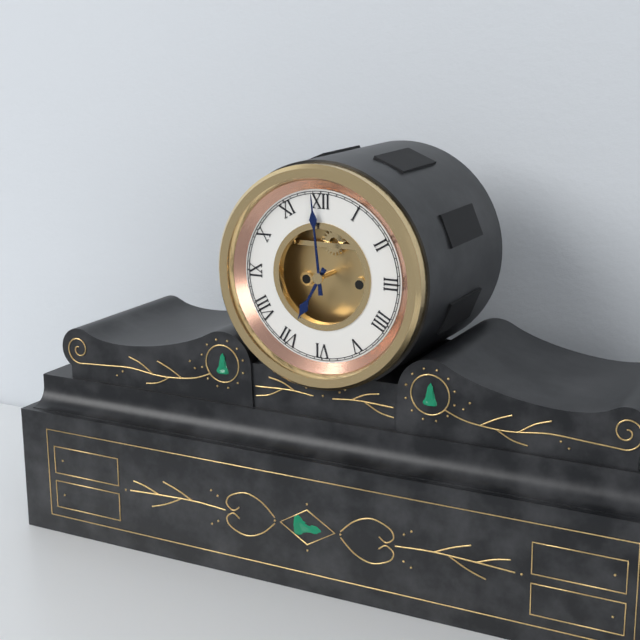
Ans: 6:59
